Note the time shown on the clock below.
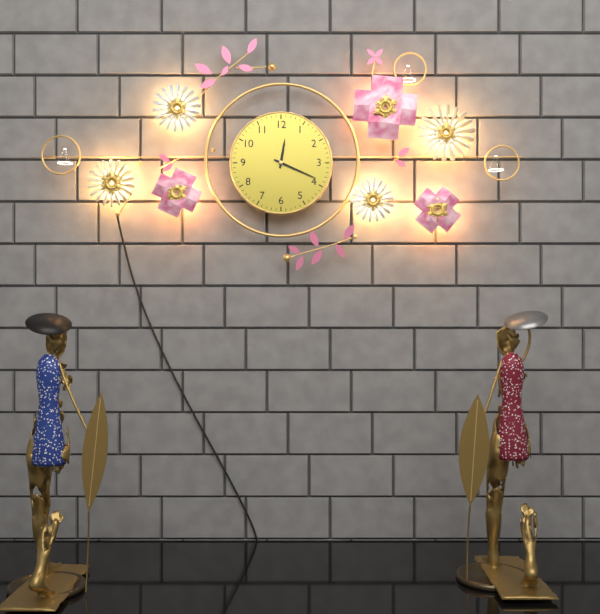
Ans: 12:19
